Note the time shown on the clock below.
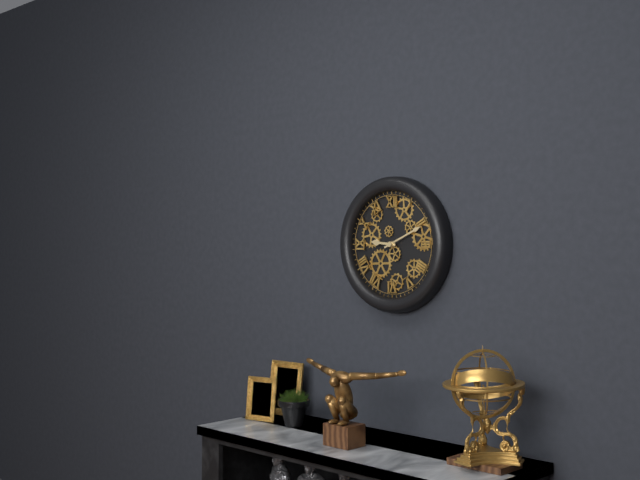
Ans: 9:11
